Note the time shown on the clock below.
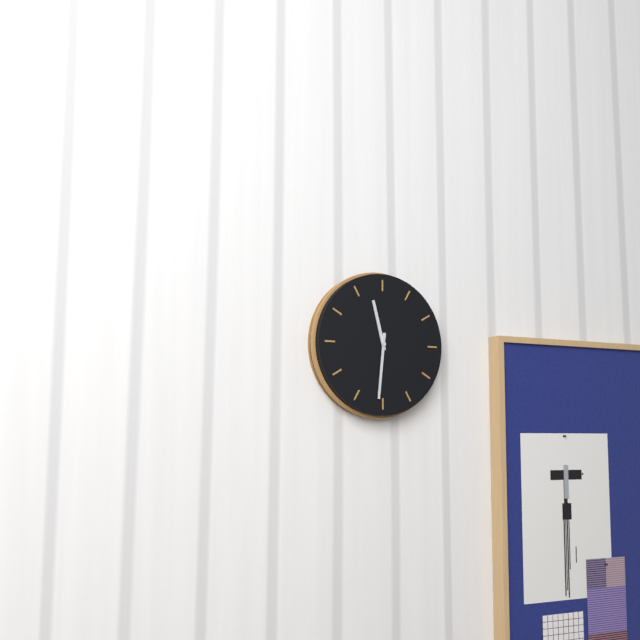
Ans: 11:31
